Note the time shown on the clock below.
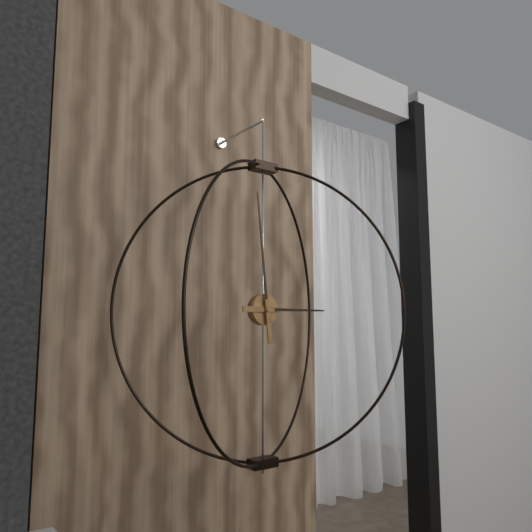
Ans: 2:59
